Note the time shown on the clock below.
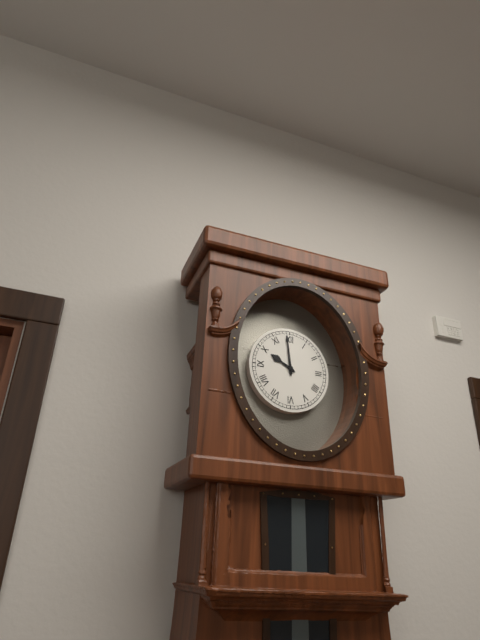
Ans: 9:59
